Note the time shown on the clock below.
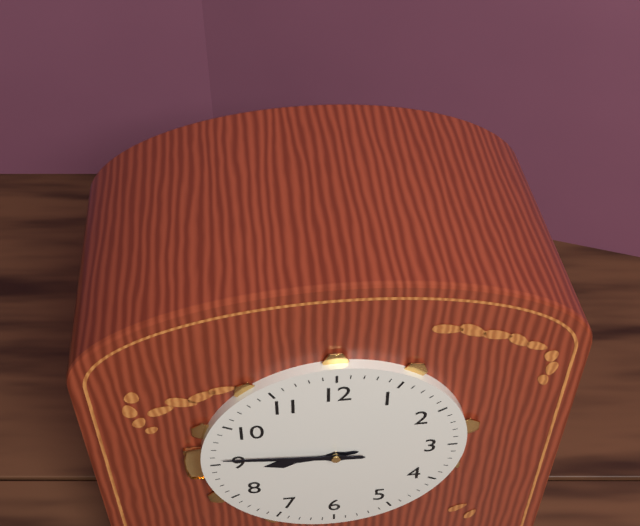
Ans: 8:46
